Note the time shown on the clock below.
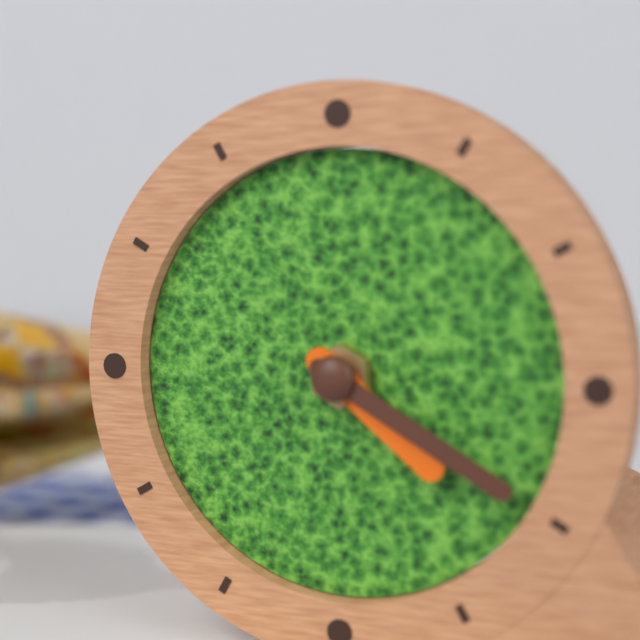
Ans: 4:20
